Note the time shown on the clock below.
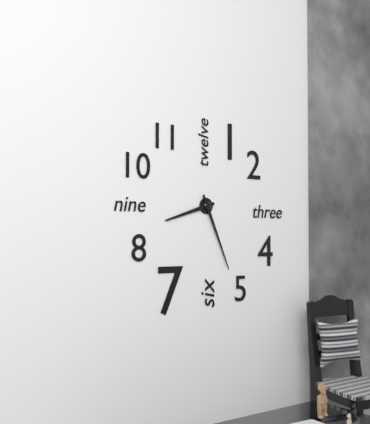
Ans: 8:26
